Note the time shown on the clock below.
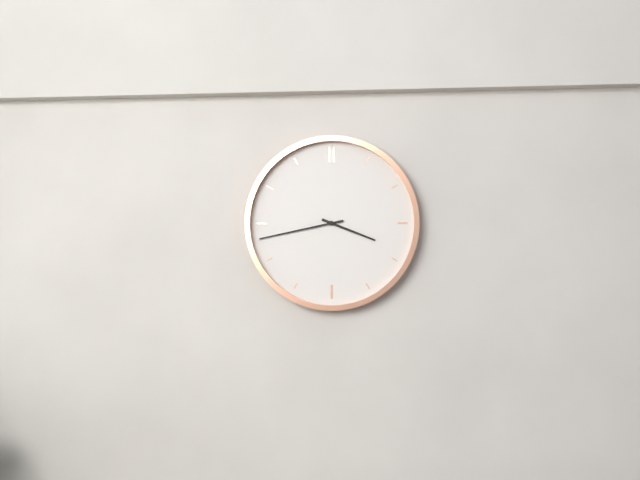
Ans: 3:43
